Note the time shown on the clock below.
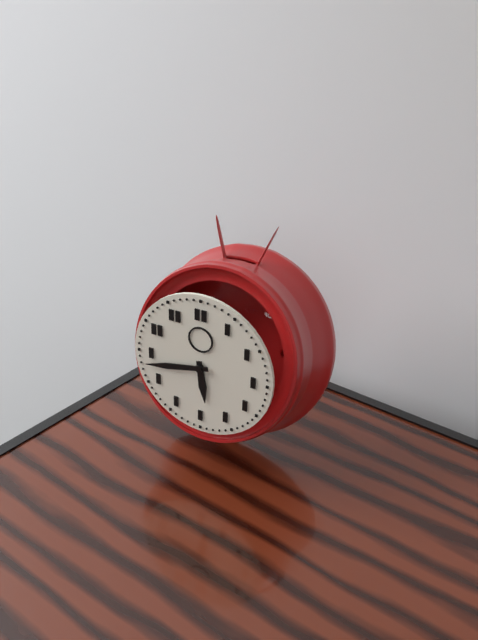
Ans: 5:43
